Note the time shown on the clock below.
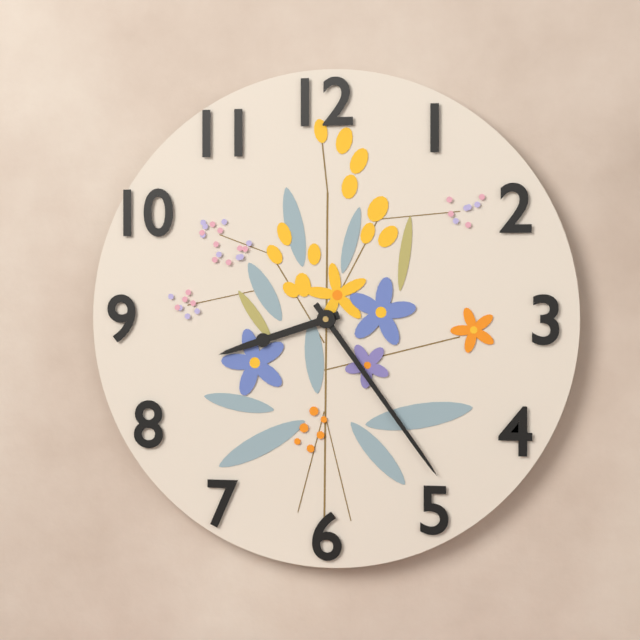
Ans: 8:24
